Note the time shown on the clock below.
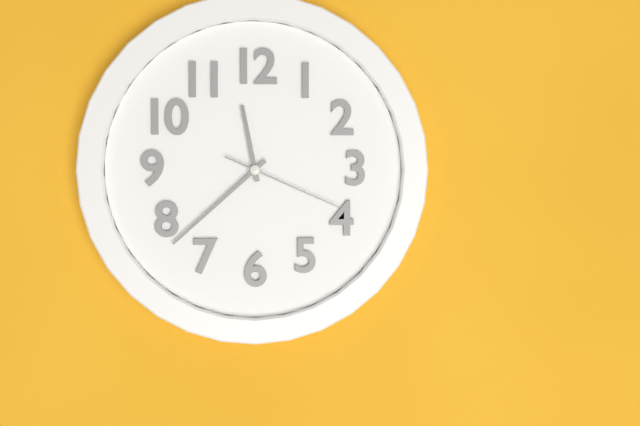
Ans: 11:38:19
